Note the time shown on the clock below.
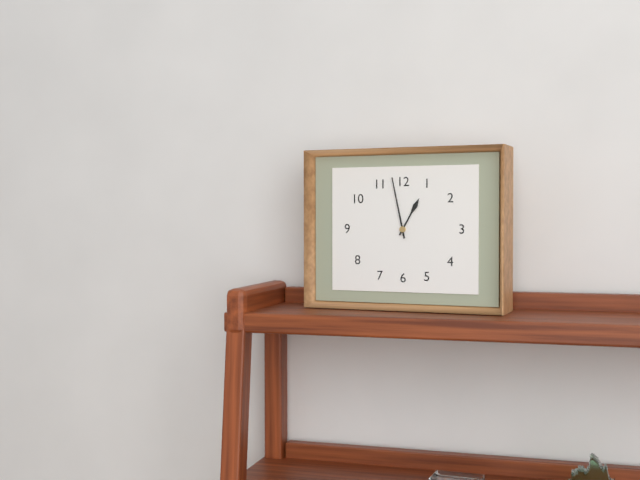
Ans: 12:58
